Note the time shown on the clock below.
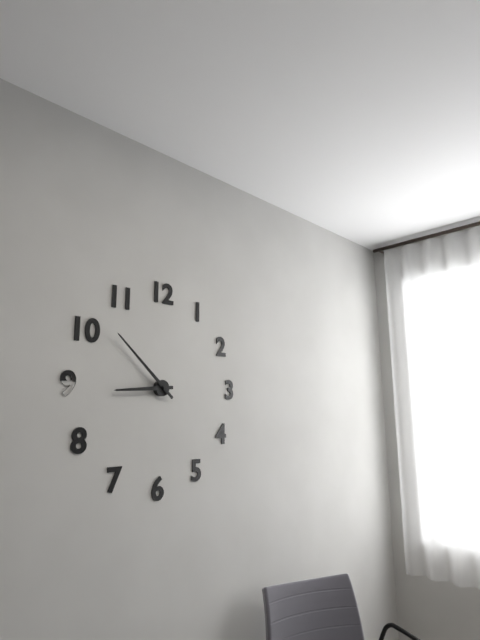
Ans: 8:52
